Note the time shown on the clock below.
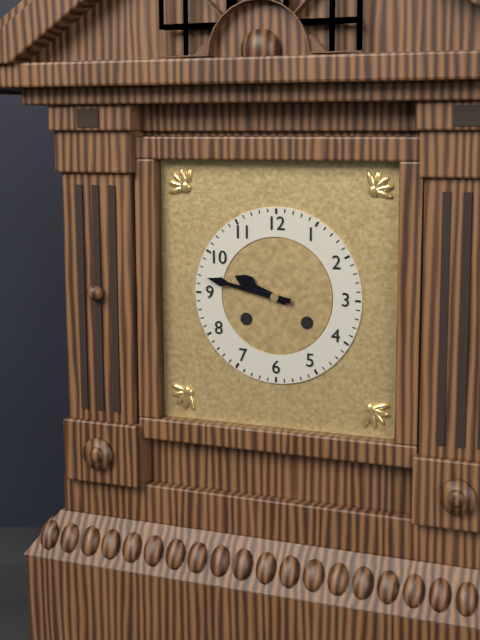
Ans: 9:47
